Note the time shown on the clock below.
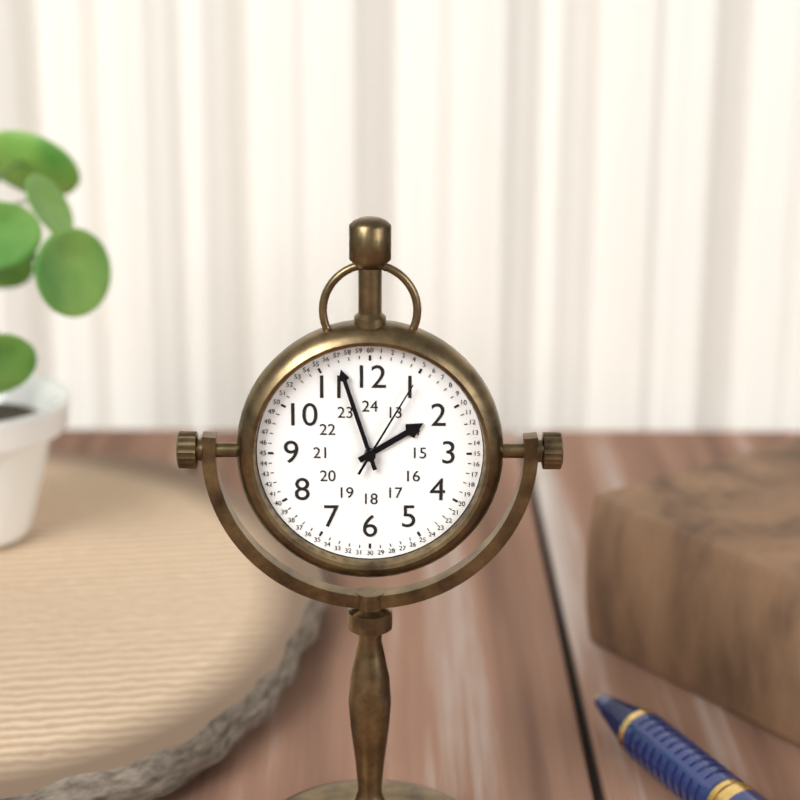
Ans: 1:57:05
